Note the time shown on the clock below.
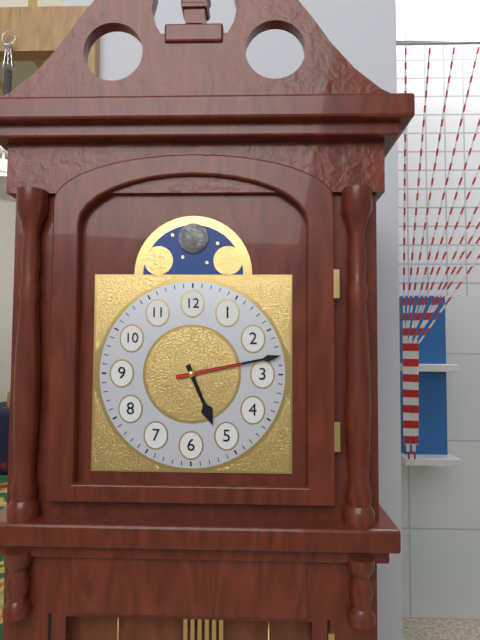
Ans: 5:13:13
